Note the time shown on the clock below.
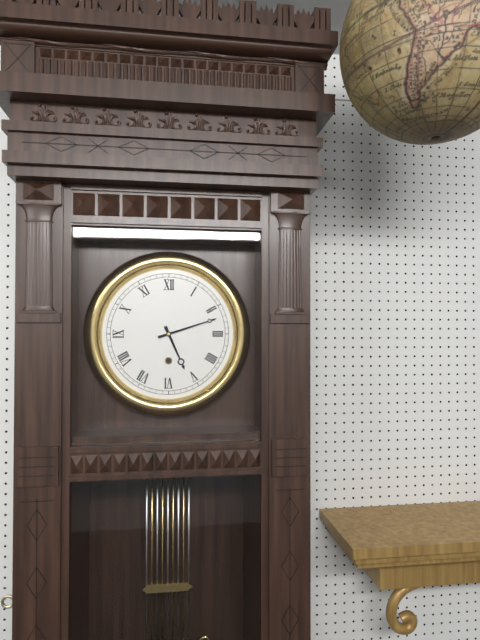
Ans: 5:12
